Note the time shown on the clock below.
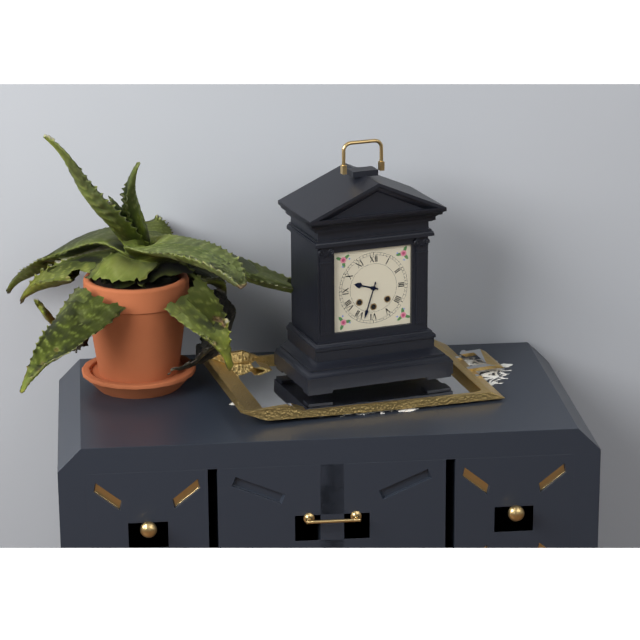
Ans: 9:33
